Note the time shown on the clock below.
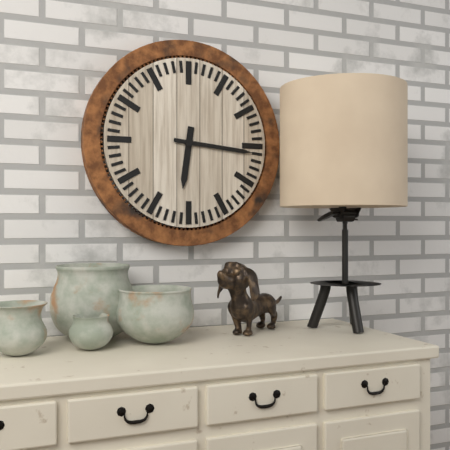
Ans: 6:16
